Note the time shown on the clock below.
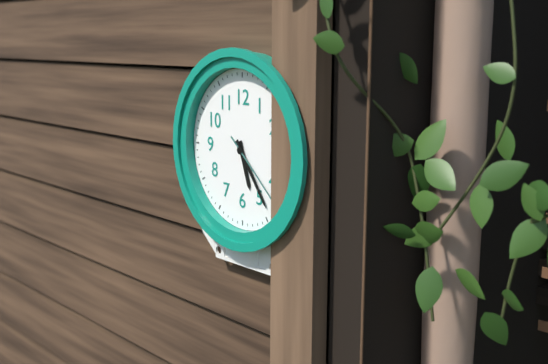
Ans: 5:24:22
